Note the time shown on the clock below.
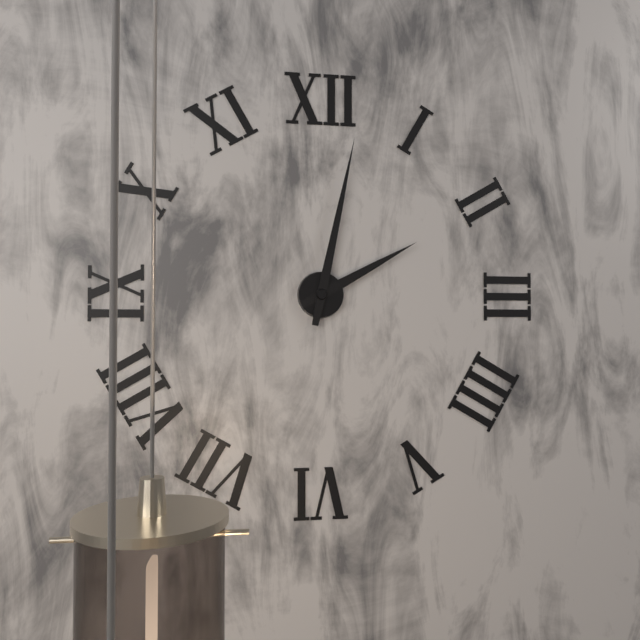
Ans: 2:02
